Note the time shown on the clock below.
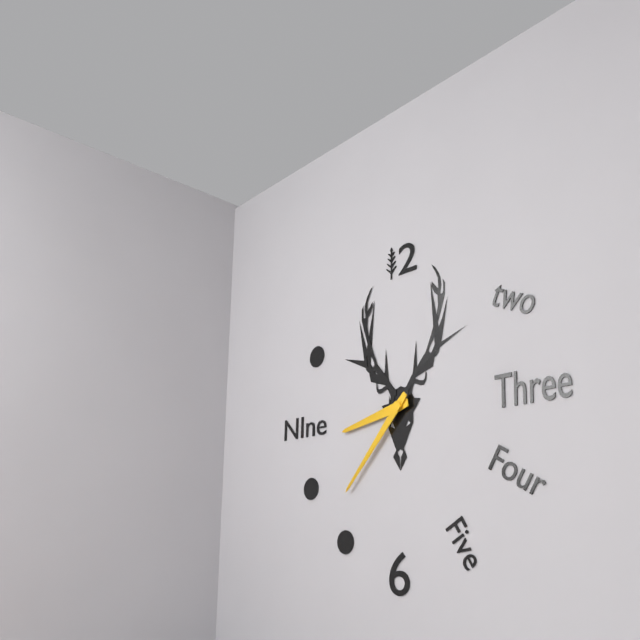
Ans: 8:37
